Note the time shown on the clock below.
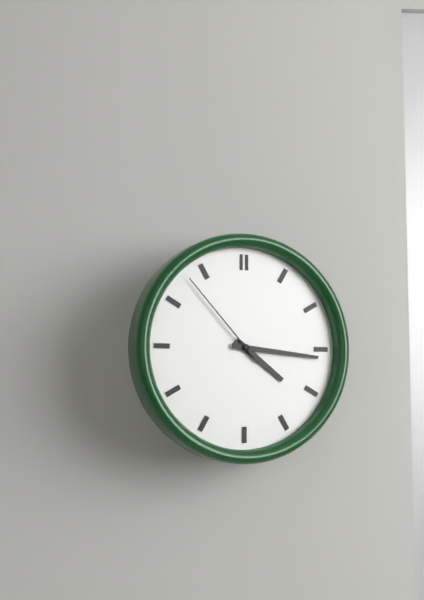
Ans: 4:16:53
